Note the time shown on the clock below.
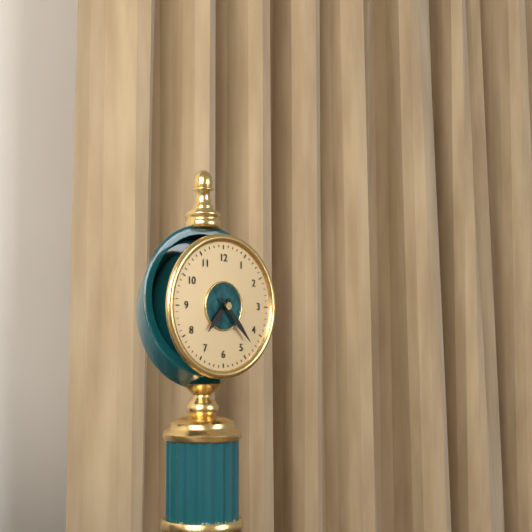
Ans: 7:23
